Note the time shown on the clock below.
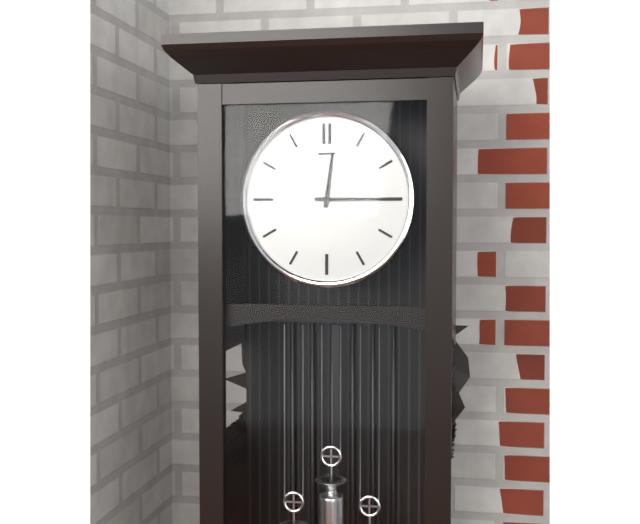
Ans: 12:15
